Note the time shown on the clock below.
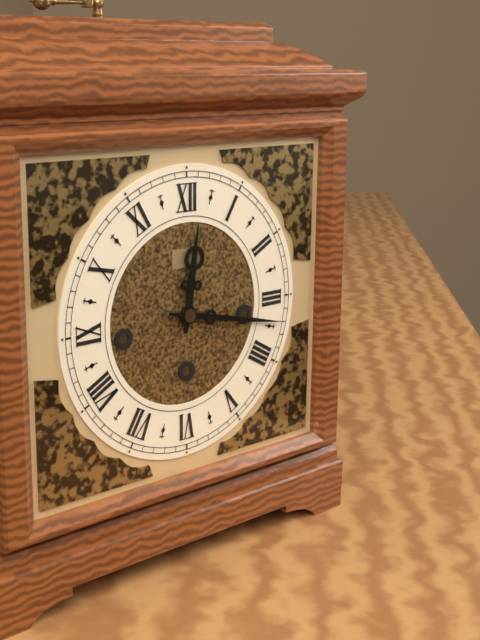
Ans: 12:17
